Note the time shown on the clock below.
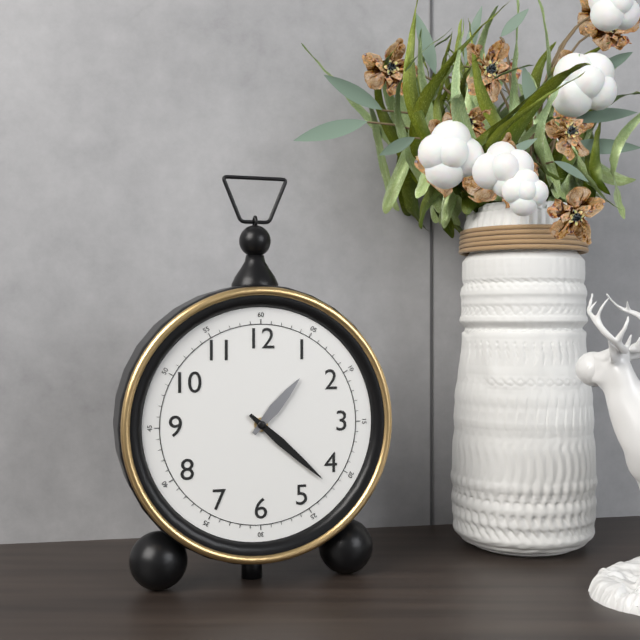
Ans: 1:22
